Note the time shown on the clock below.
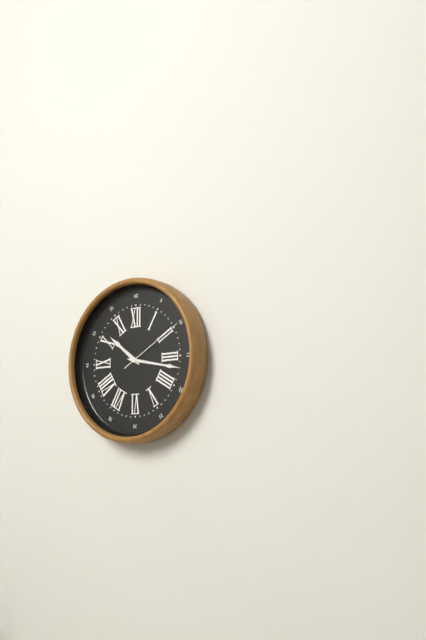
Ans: 10:17:10
